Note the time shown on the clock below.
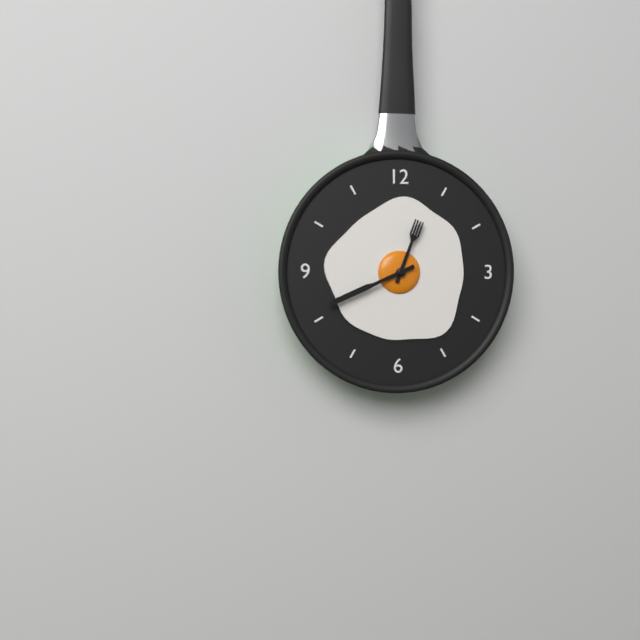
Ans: 12:41
